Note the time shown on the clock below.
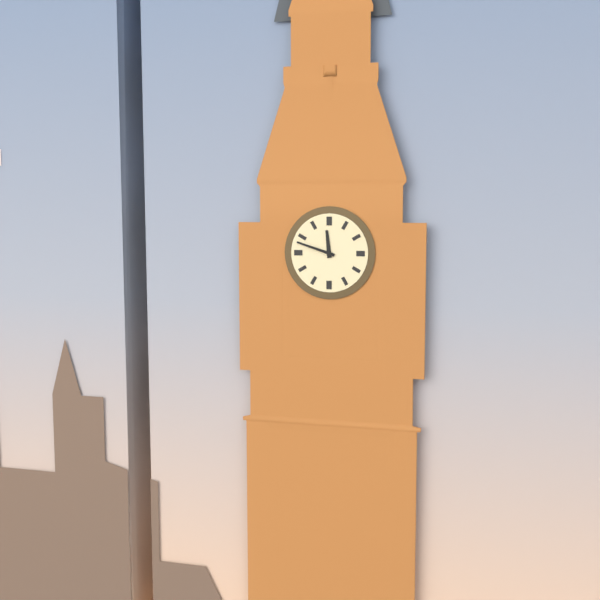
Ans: 11:48
